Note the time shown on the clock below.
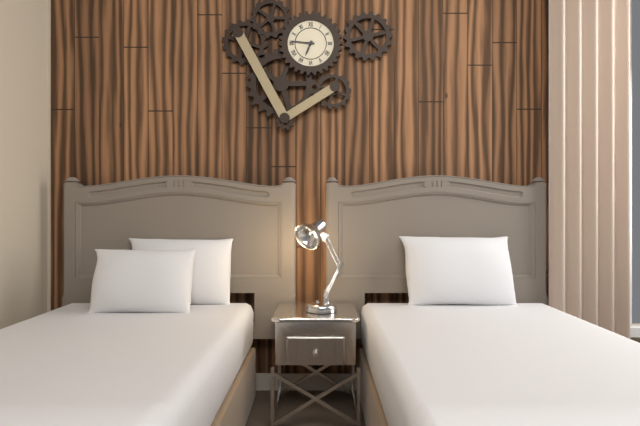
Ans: 6:46
